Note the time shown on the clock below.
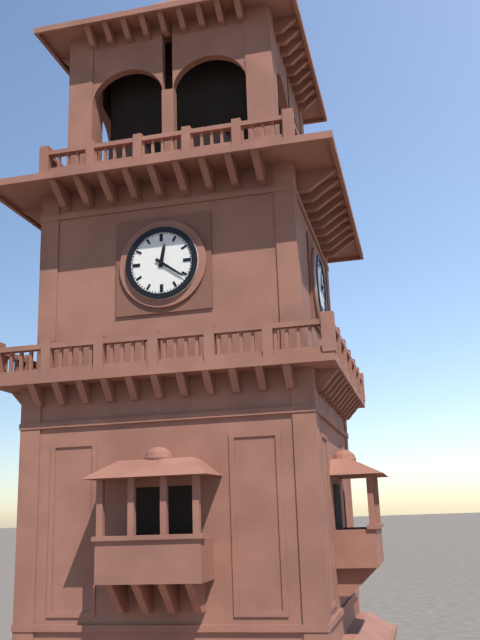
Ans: 12:21
